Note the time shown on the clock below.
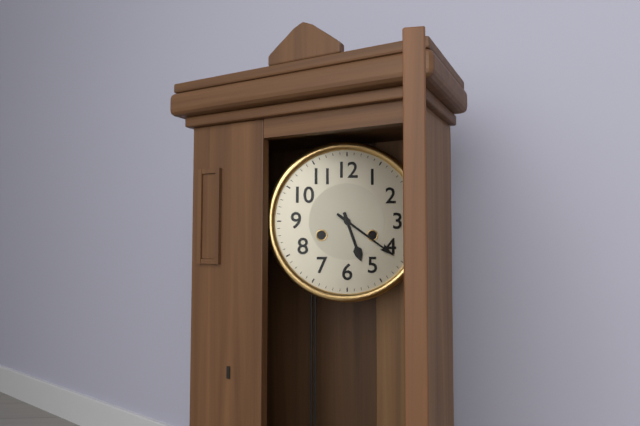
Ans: 5:21
